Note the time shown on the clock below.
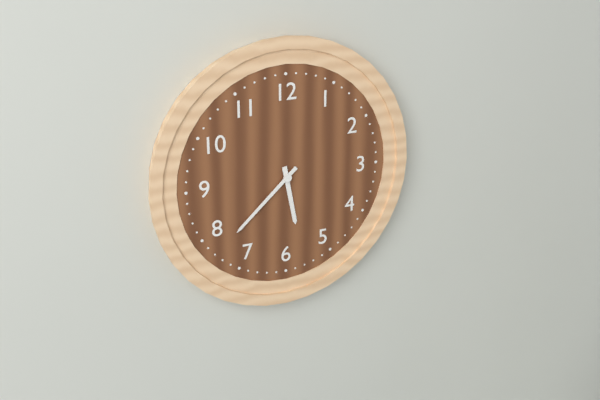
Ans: 5:38
